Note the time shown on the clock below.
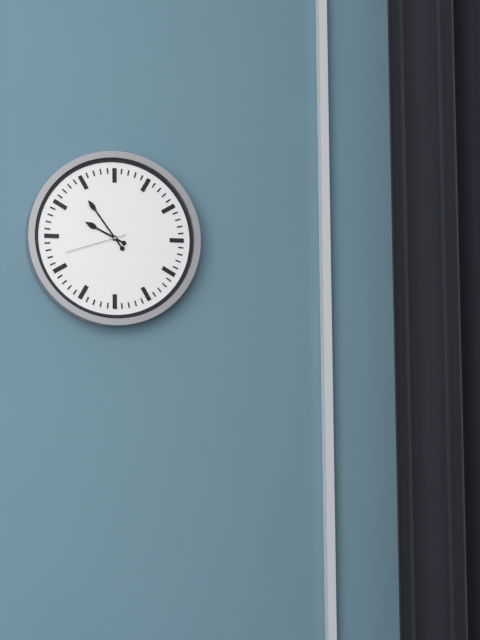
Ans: 9:54:42
